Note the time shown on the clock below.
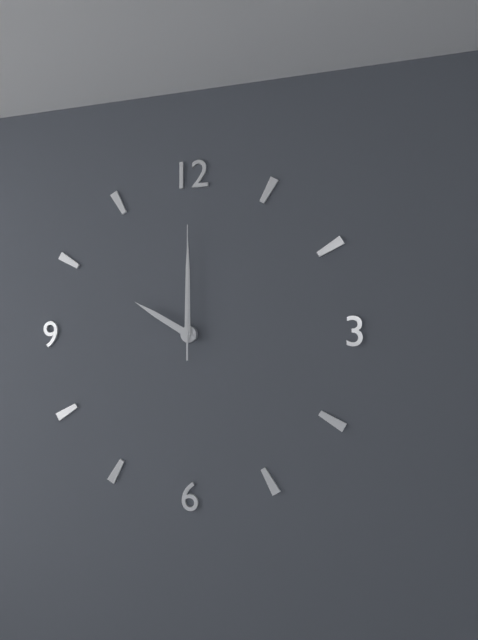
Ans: 10:00:00
